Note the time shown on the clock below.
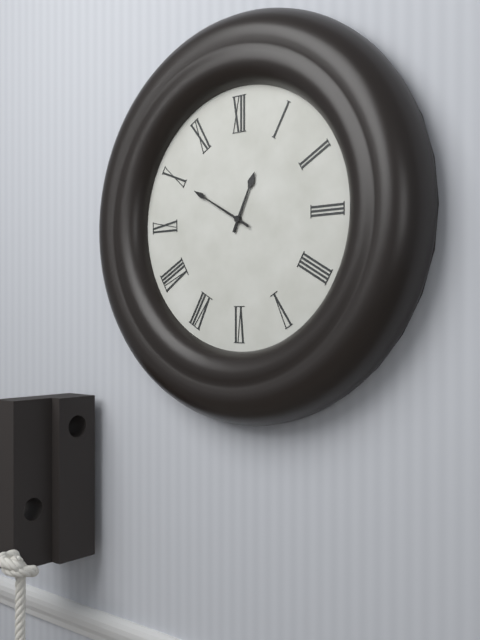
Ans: 12:50
